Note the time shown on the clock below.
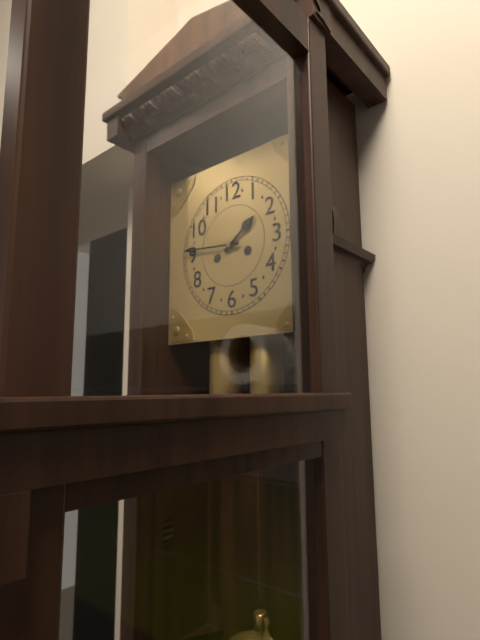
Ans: 1:46
